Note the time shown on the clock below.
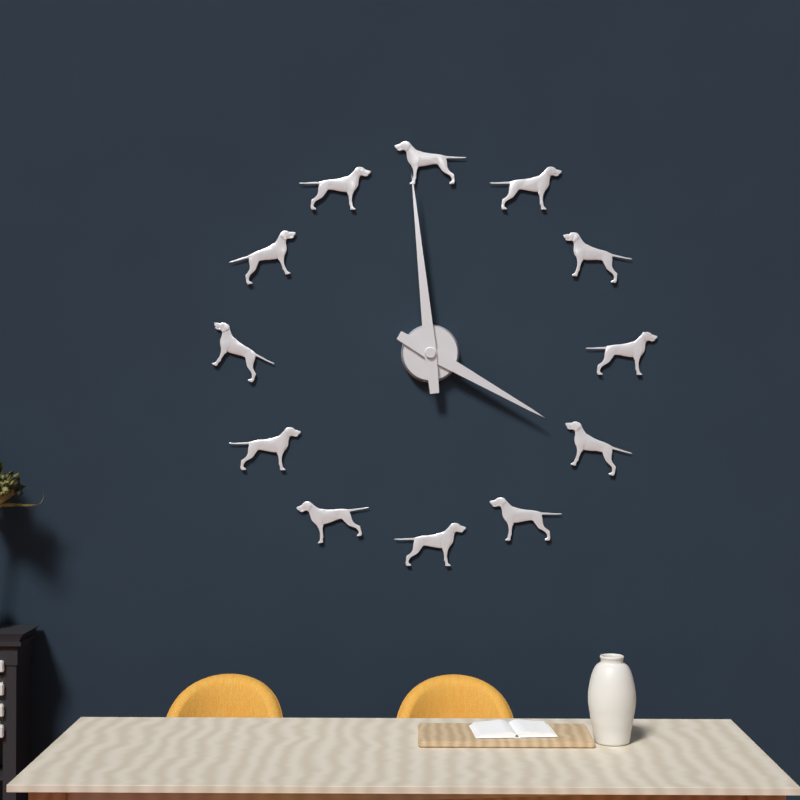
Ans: 3:59
